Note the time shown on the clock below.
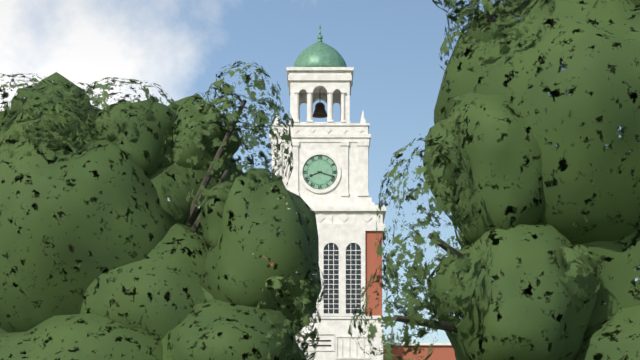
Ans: 8:18
